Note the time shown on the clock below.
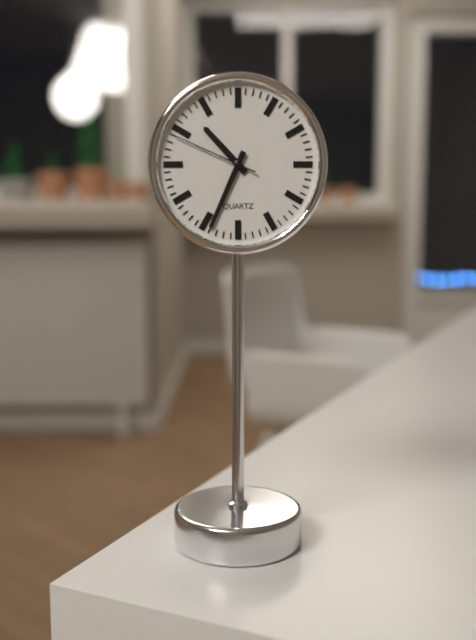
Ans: 10:34:49
